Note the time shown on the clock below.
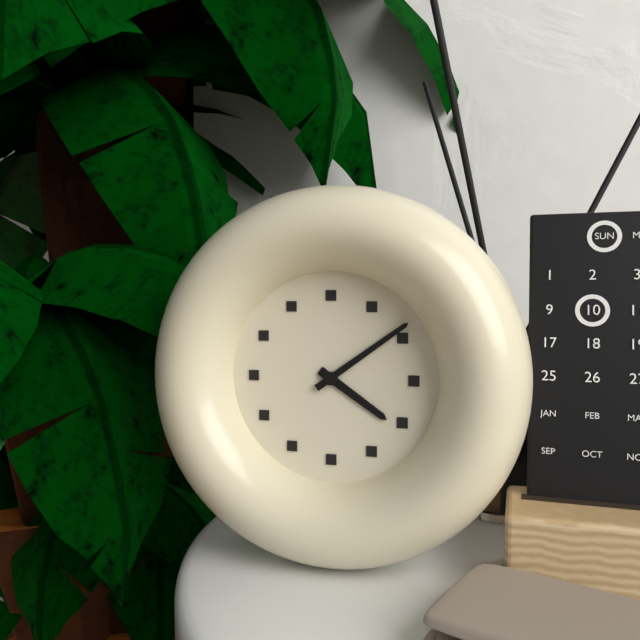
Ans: 4:09
